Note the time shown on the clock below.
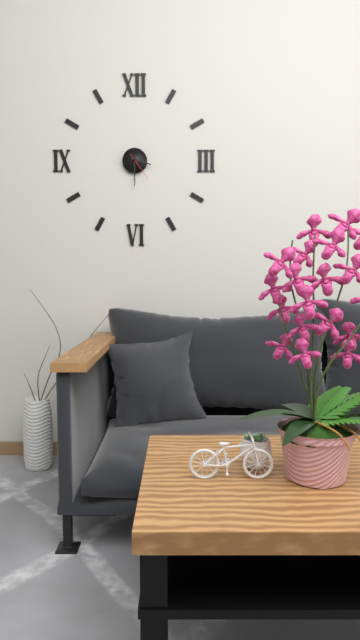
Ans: 3:30
